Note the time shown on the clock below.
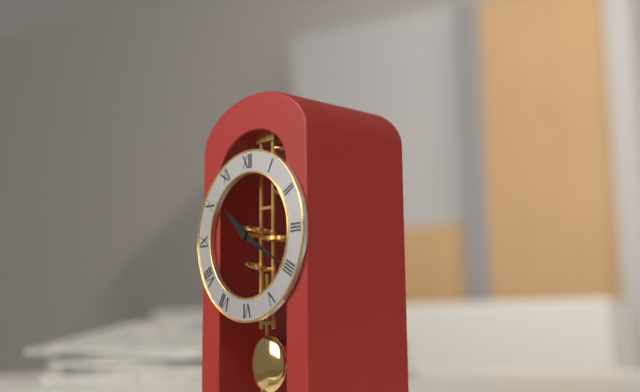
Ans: 10:20
